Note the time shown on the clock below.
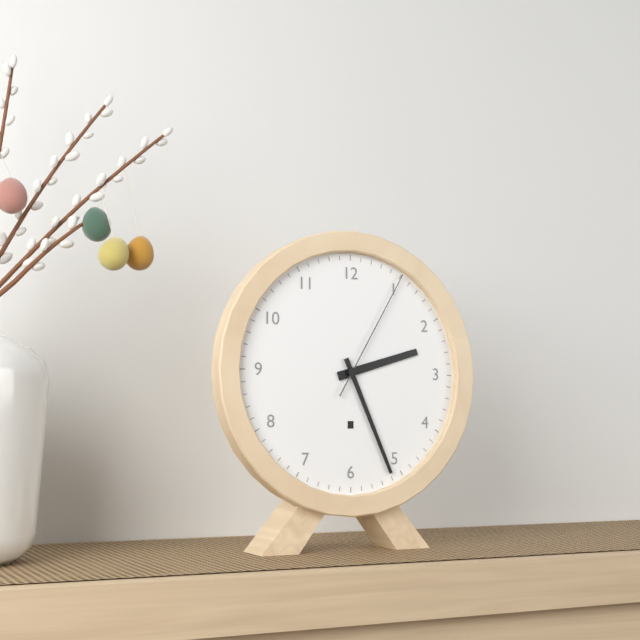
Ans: 2:26:05
